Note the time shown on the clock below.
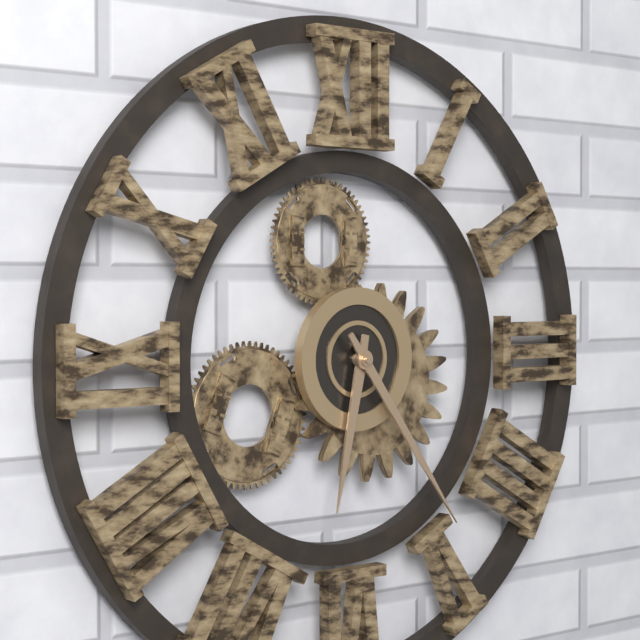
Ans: 6:24
